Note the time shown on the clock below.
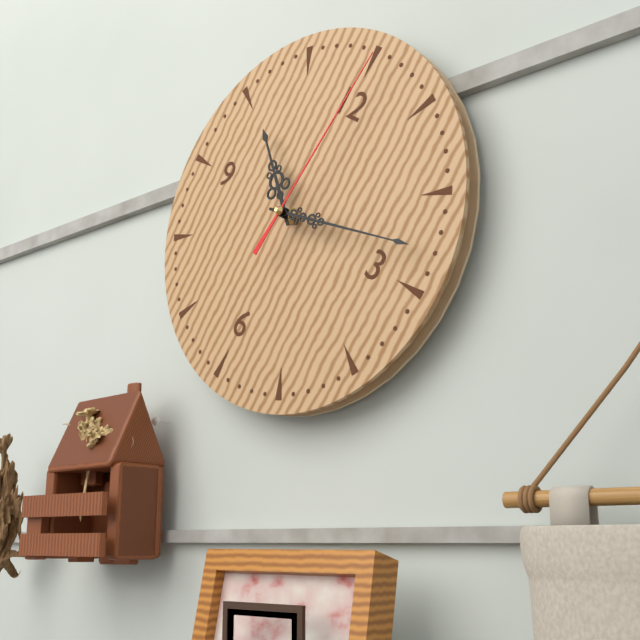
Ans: 10:13:01
